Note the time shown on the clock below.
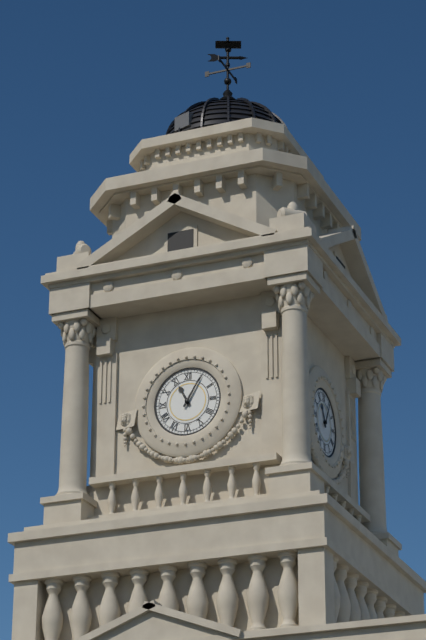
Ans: 11:05
